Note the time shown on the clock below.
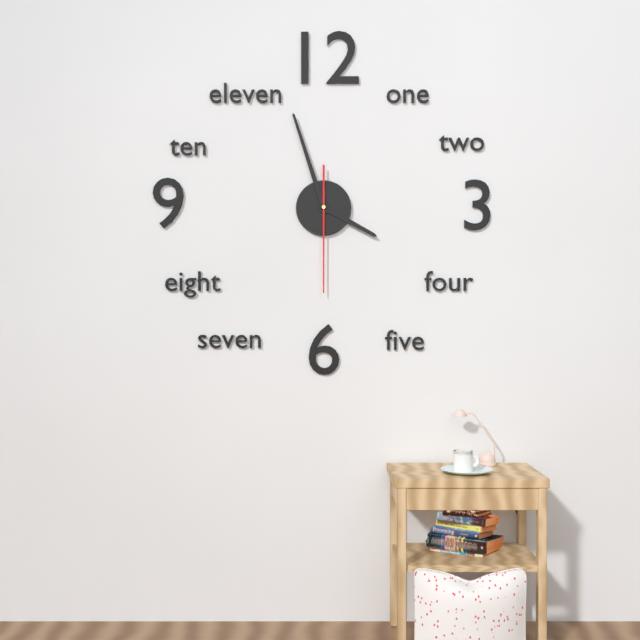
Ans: 3:57:30
